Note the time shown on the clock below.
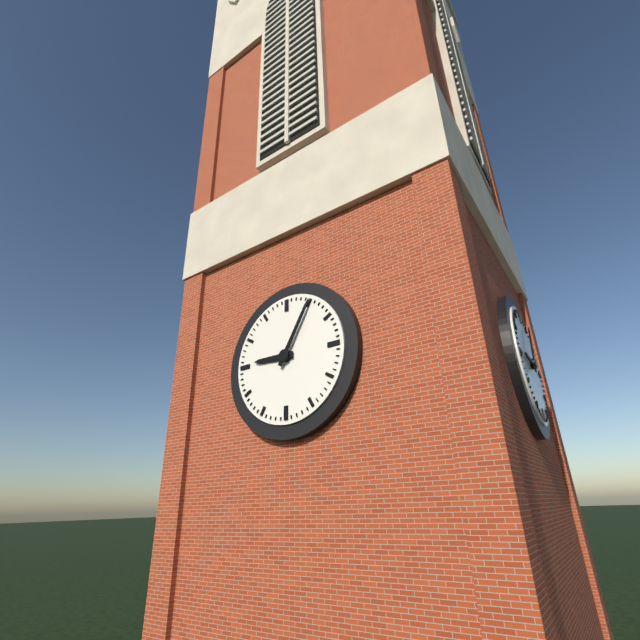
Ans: 9:05
